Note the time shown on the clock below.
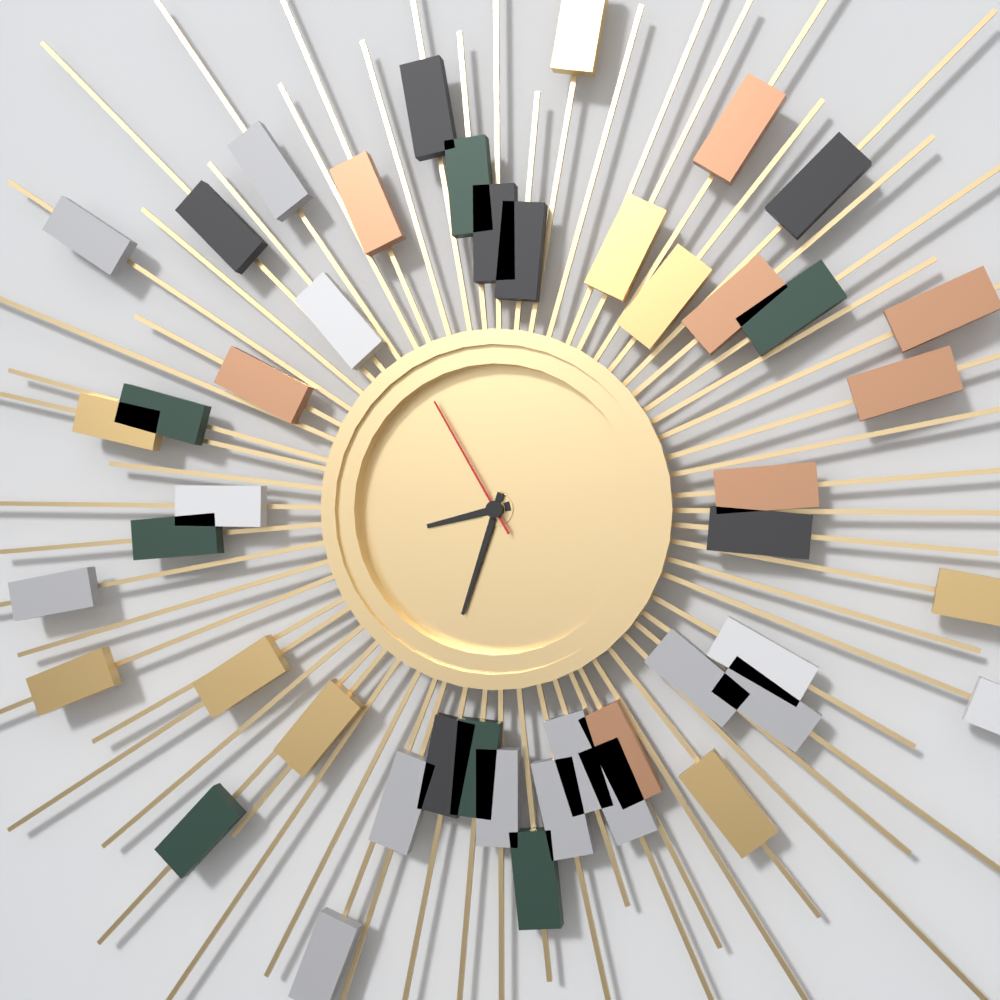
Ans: 8:33:55
